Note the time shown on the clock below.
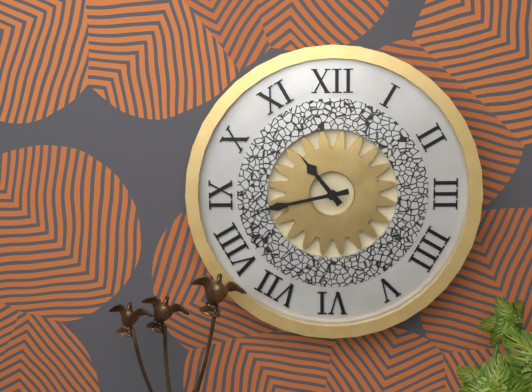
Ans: 10:43
